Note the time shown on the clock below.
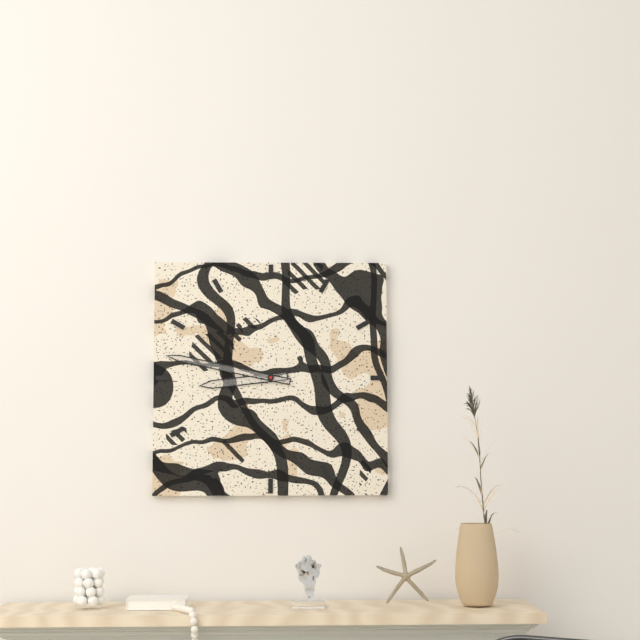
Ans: 8:47
